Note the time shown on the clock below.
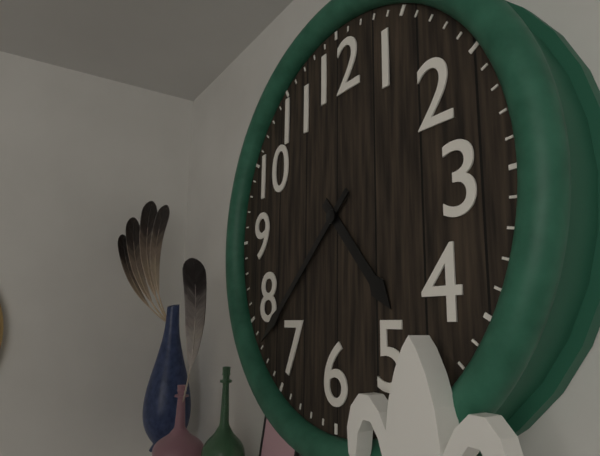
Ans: 4:38
